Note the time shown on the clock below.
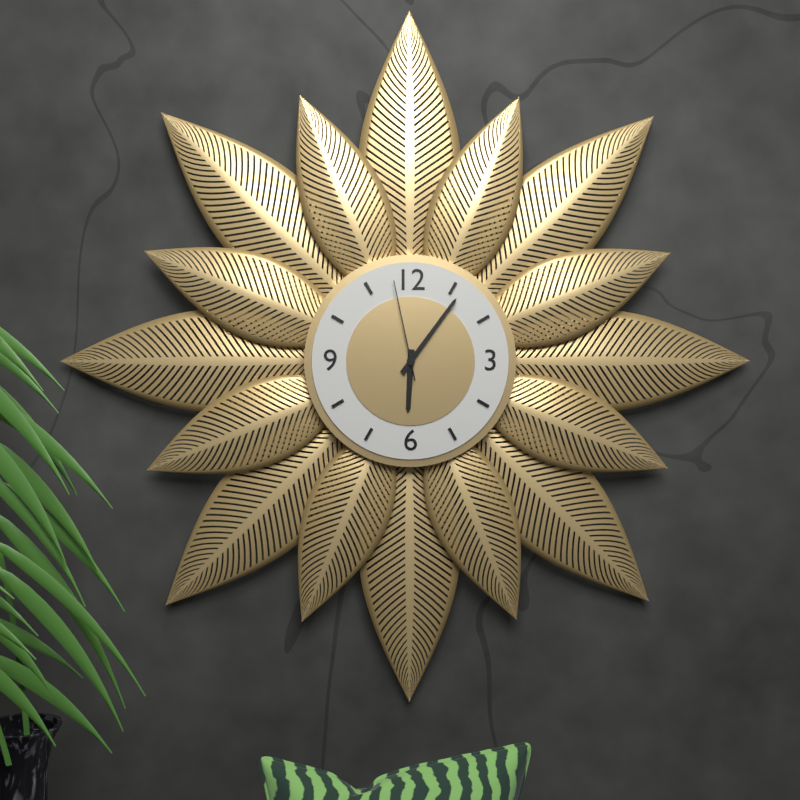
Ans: 6:06:58
